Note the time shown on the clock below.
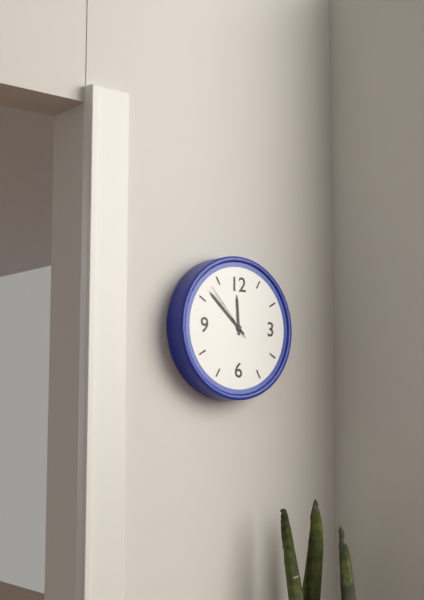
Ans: 11:52:53
